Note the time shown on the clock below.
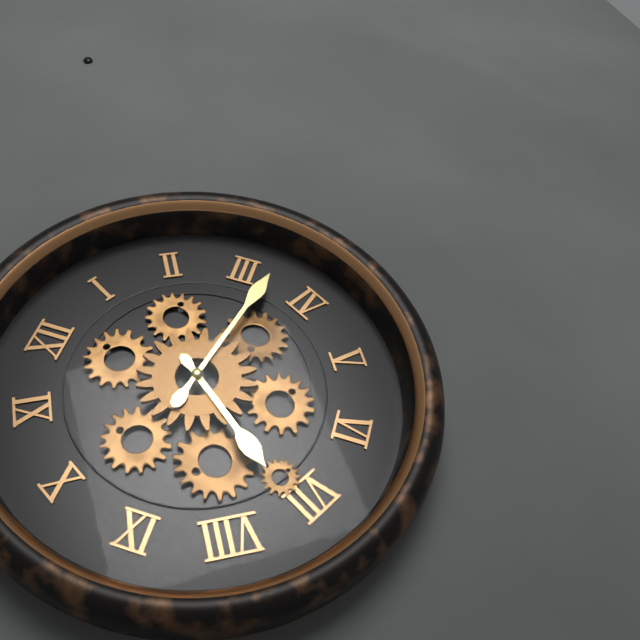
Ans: 7:17
